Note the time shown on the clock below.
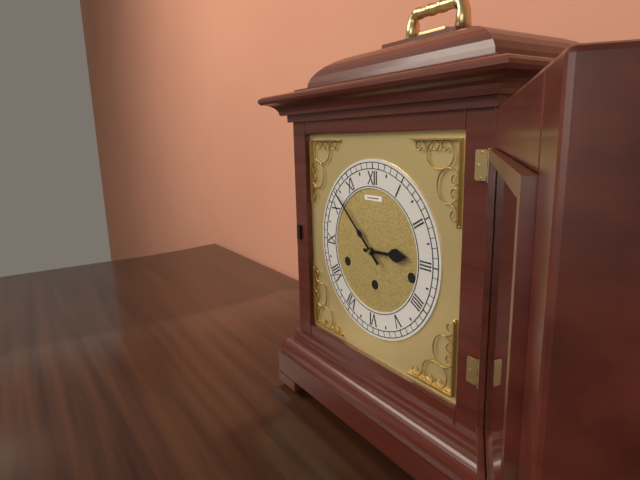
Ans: 2:52
